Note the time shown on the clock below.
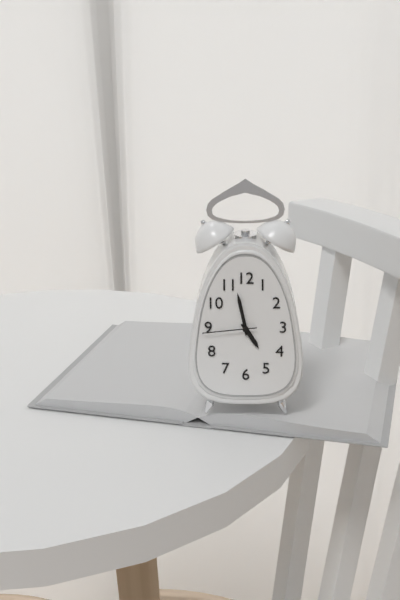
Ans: 4:58:44
